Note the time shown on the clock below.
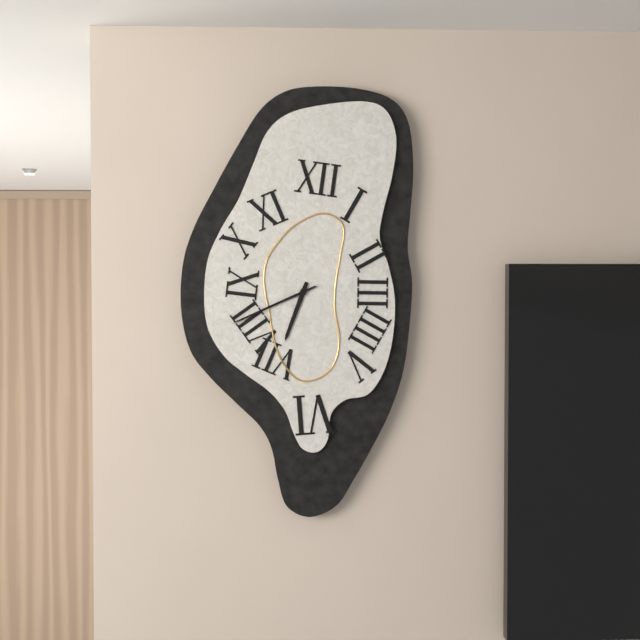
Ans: 6:41
